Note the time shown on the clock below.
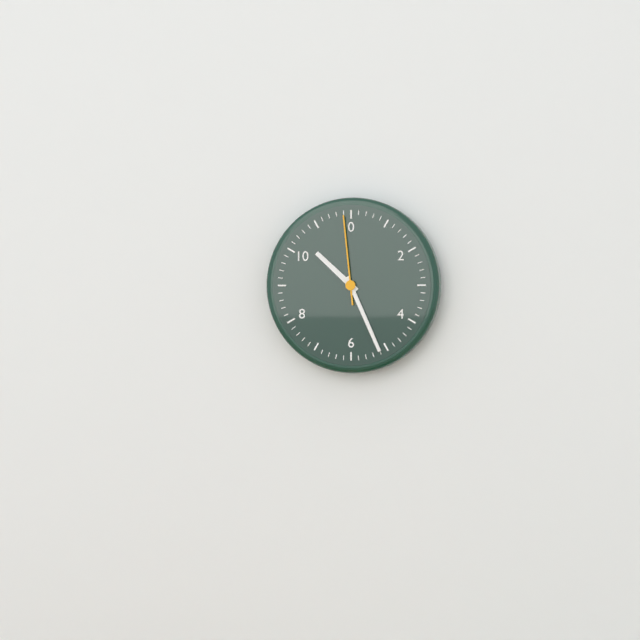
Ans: 10:26:59
